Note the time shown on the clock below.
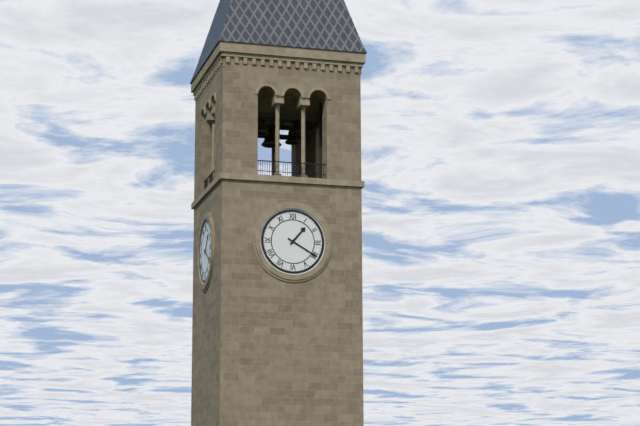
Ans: 1:20
